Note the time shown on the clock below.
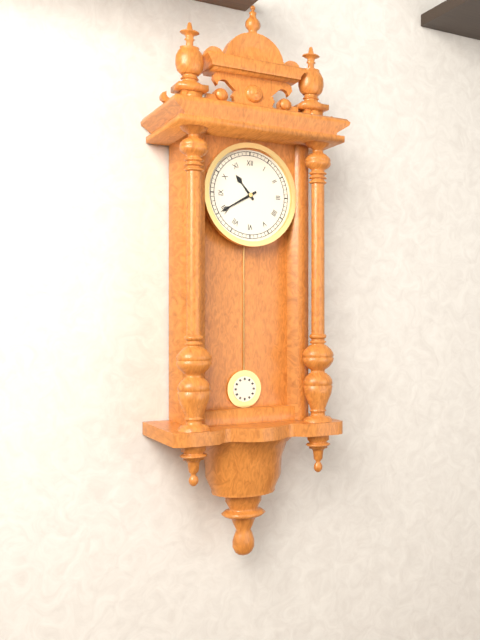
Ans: 10:40
